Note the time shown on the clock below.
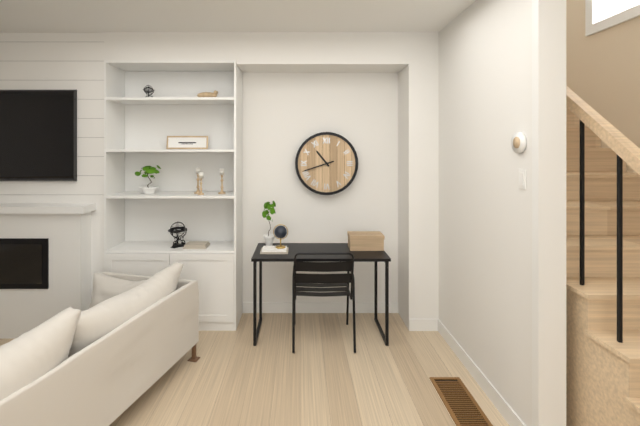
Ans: 10:42
